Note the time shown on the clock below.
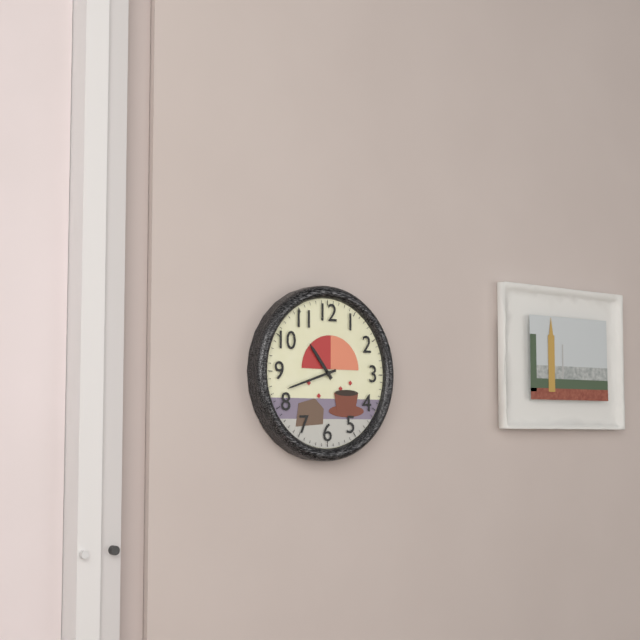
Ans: 10:42
